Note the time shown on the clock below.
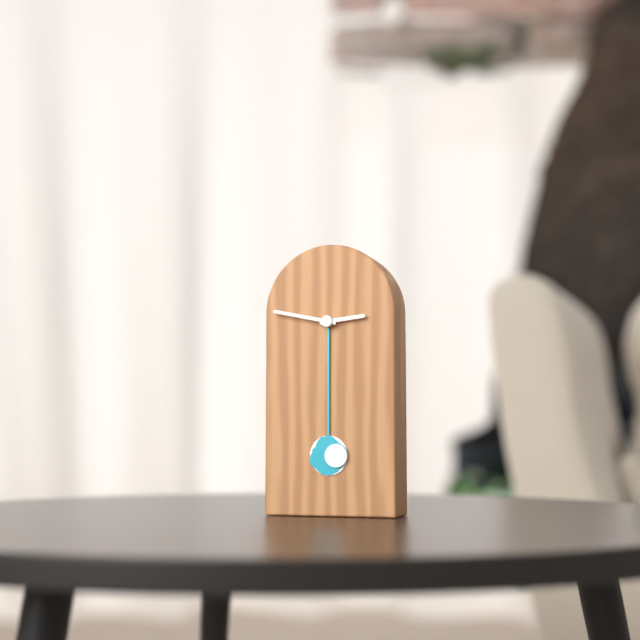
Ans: 2:47
